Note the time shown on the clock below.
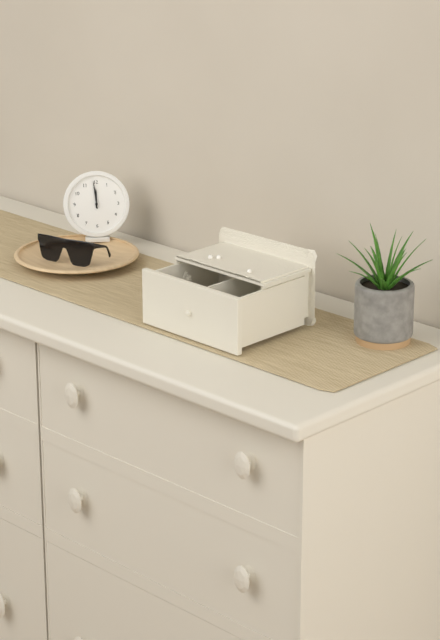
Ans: 11:59
